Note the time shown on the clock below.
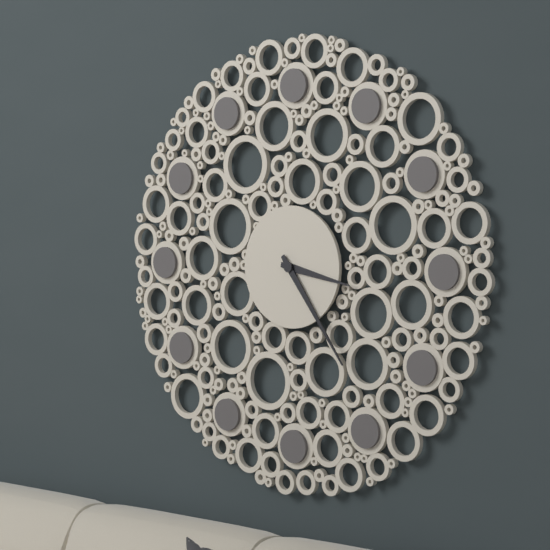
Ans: 3:24
